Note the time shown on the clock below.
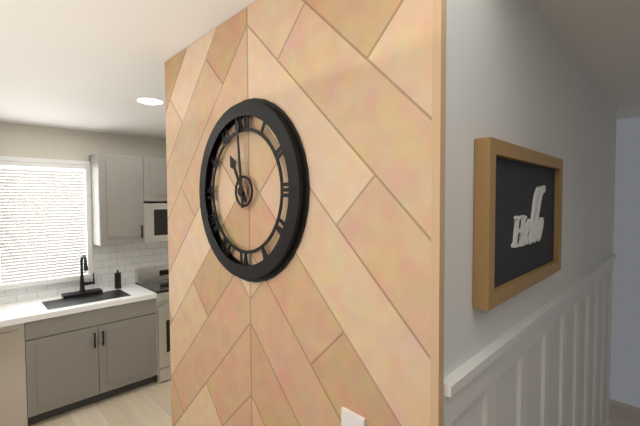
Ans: 10:59
